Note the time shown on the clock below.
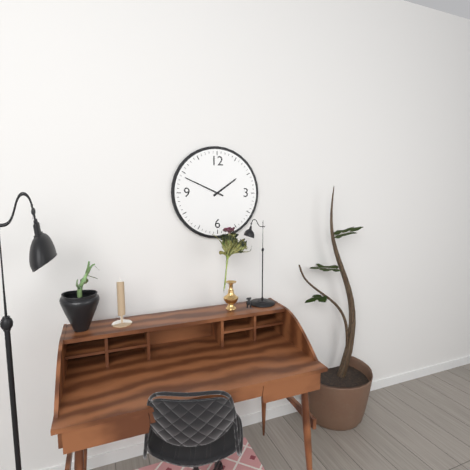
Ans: 1:49
